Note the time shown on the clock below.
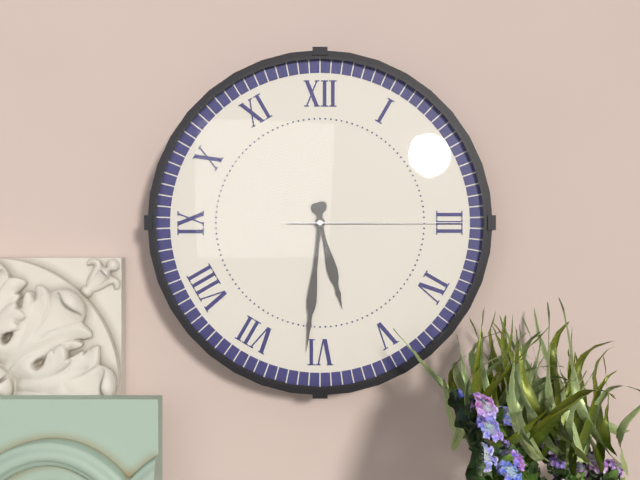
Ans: 5:31:15
